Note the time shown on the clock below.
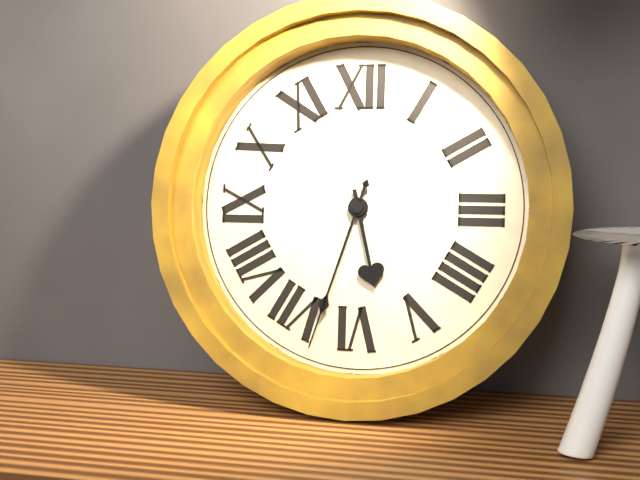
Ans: 5:33
